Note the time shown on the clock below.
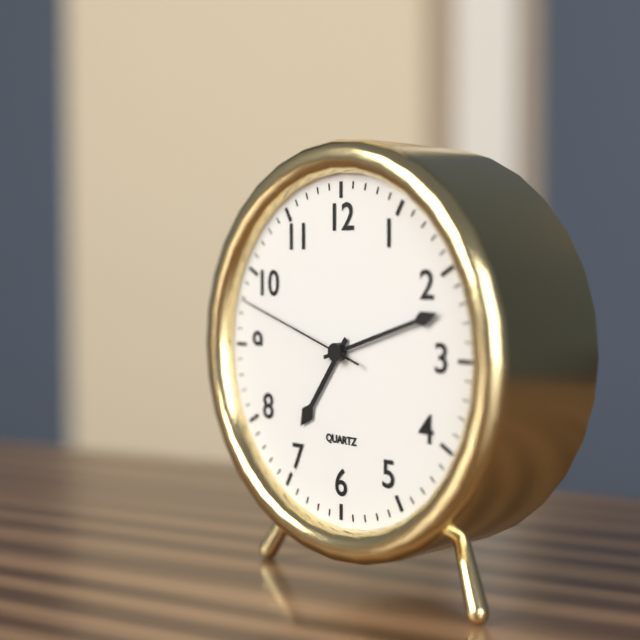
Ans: 7:12:48
